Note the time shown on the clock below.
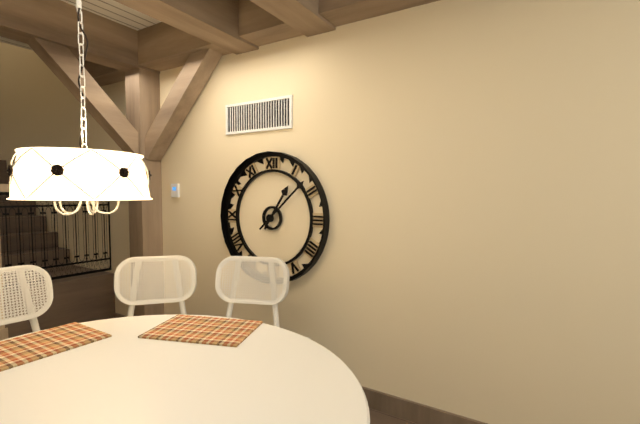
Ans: 1:08
